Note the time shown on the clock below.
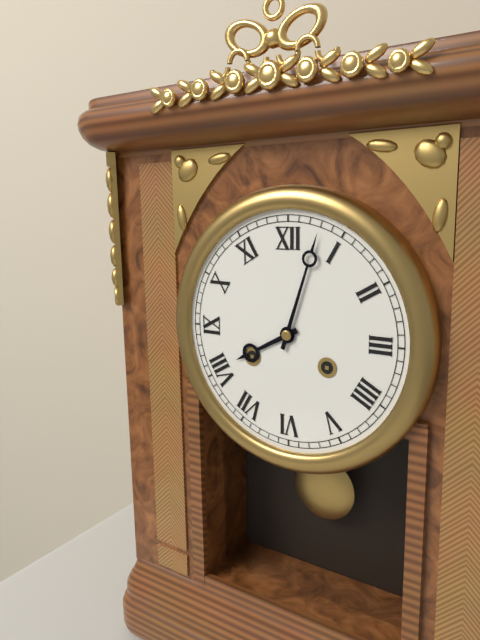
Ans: 8:03
